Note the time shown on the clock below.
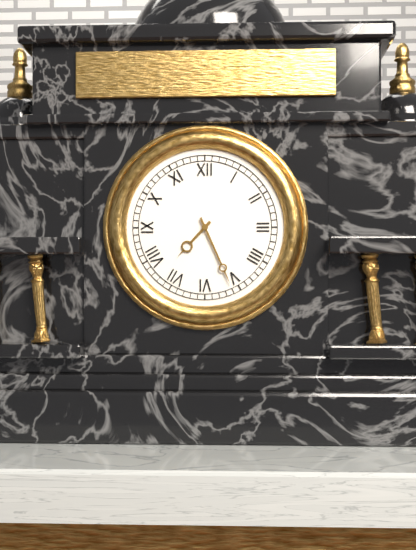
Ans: 7:26
